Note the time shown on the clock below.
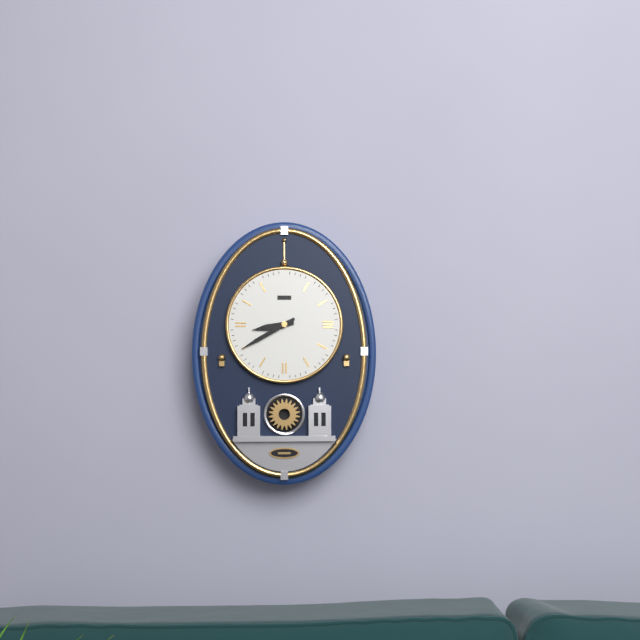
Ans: 8:40
